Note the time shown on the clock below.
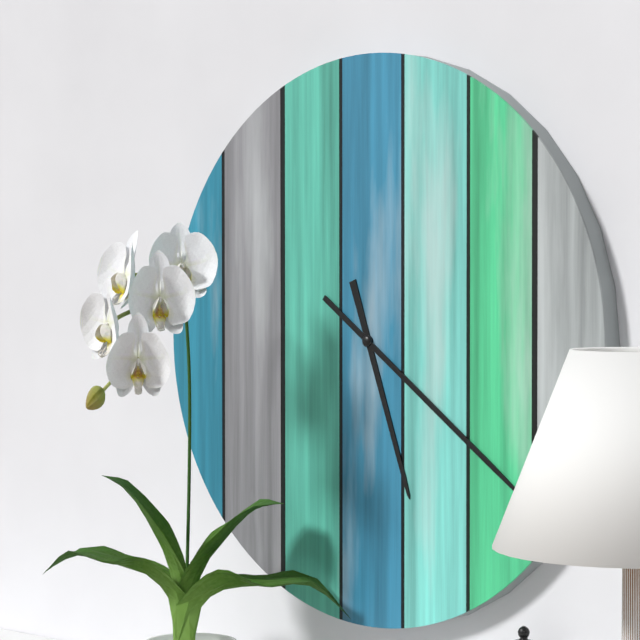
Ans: 5:21
